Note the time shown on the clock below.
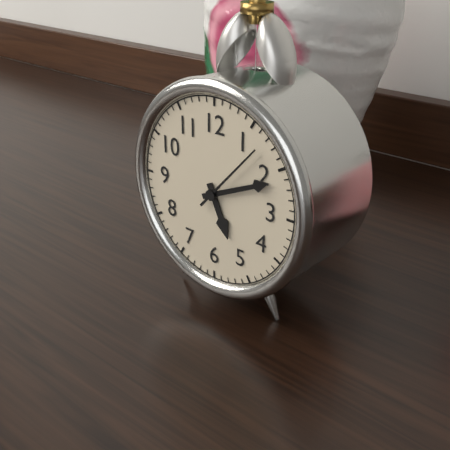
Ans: 5:11:07
